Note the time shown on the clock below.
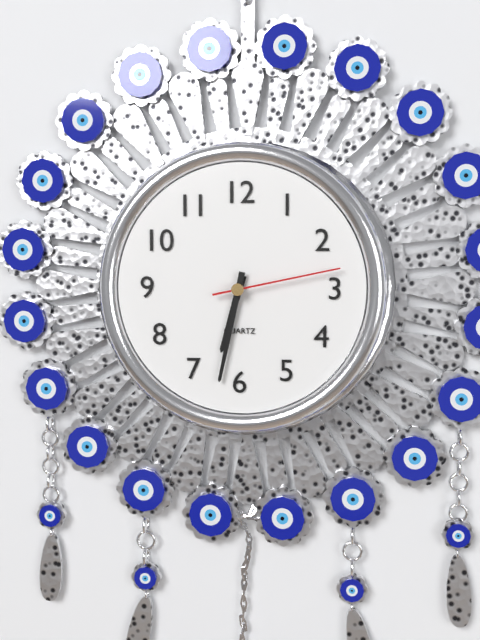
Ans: 6:32:13
